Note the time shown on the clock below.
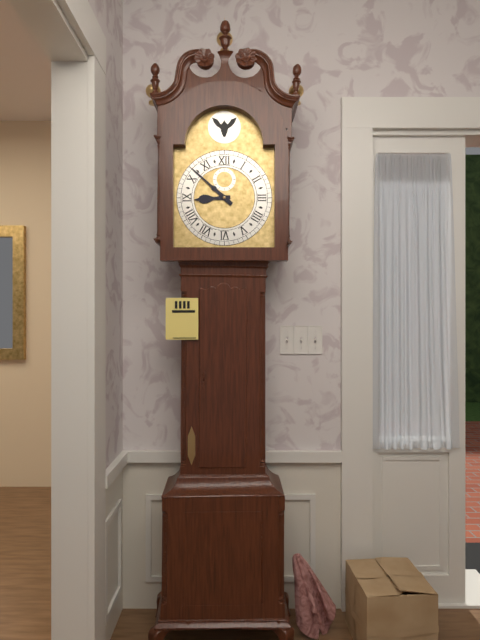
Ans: 8:52
